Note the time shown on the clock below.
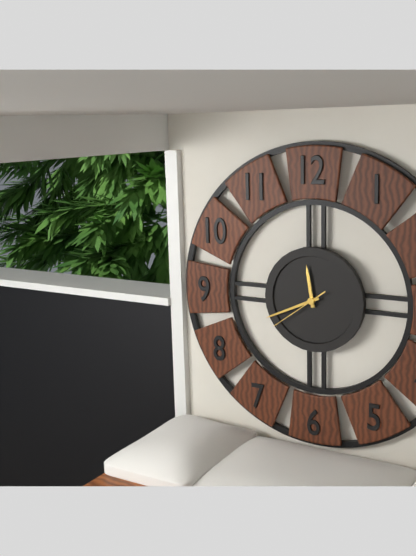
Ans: 11:41:39
